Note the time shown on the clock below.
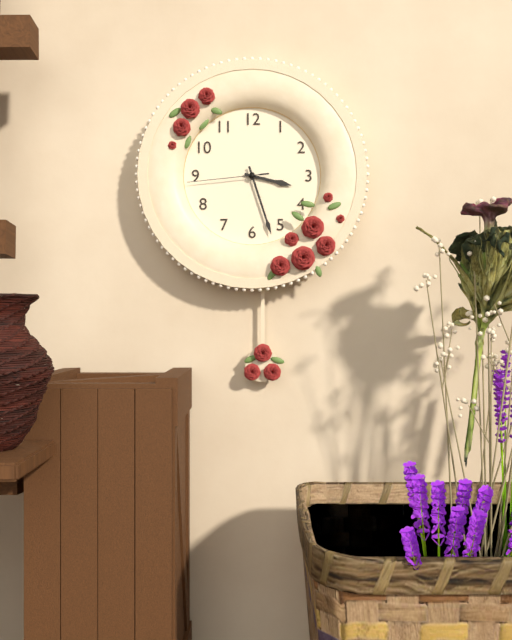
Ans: 3:27:44
